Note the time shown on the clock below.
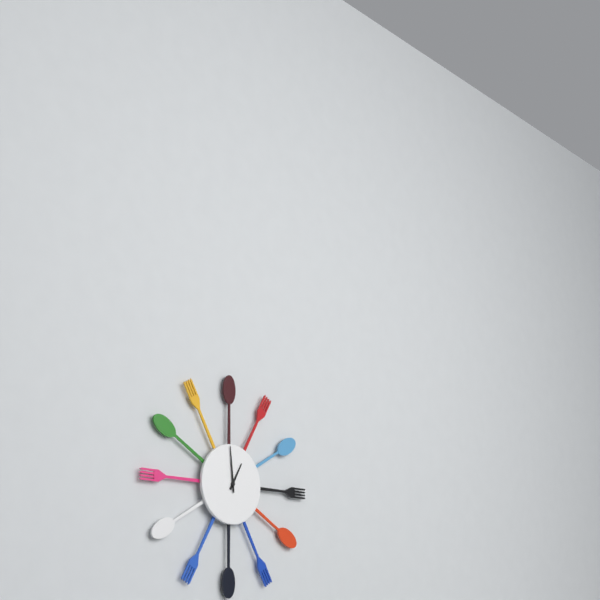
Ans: 12:59
